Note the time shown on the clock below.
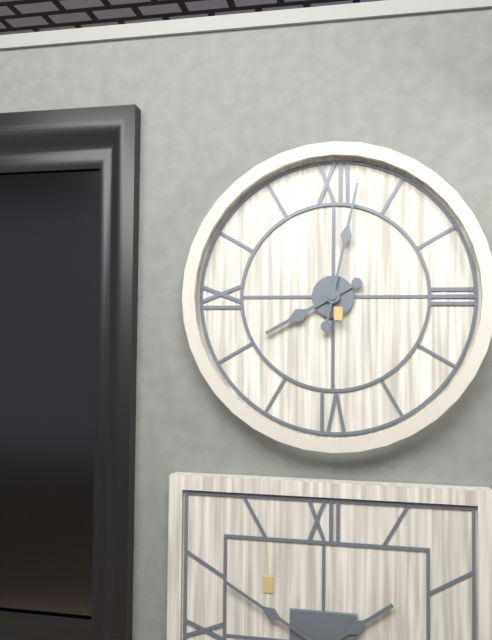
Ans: 8:02
